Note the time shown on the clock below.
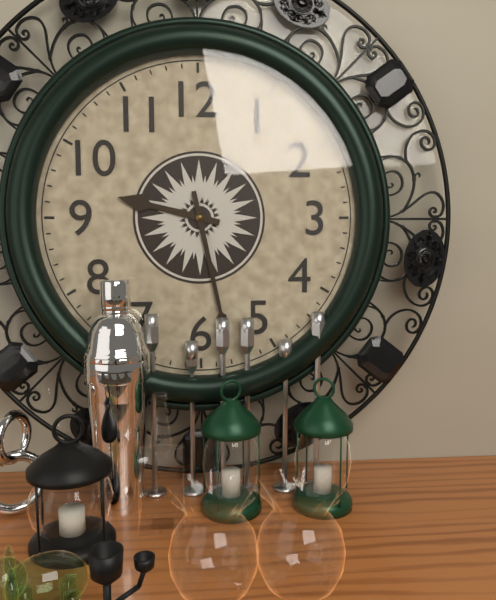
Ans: 9:28
